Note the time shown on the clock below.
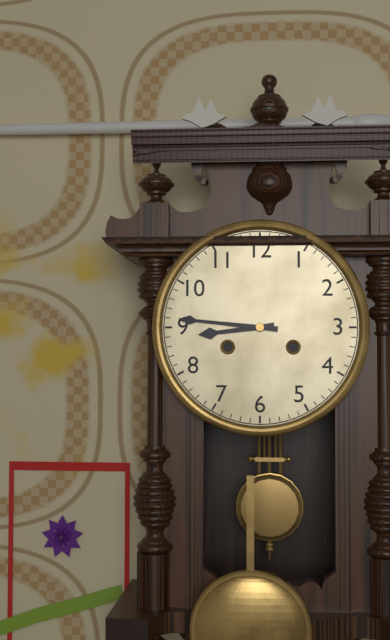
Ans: 8:46
